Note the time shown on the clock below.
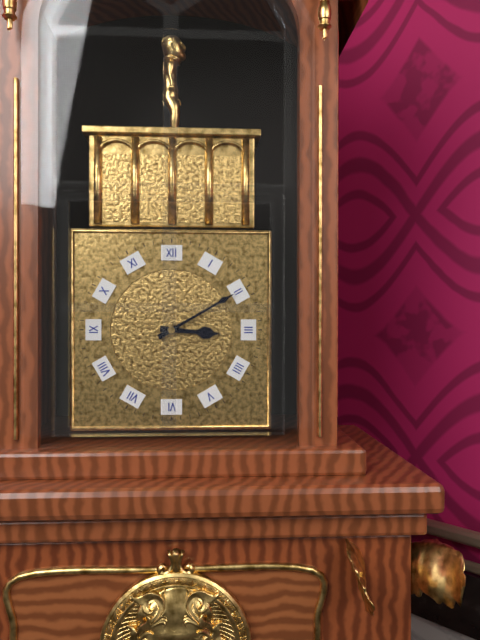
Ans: 3:10
